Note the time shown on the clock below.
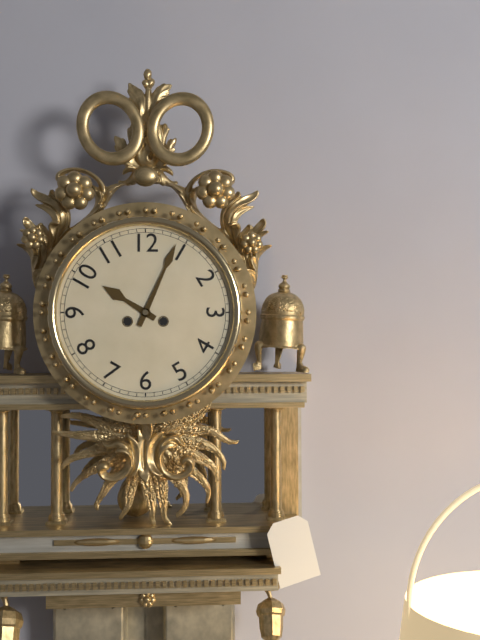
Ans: 10:04
